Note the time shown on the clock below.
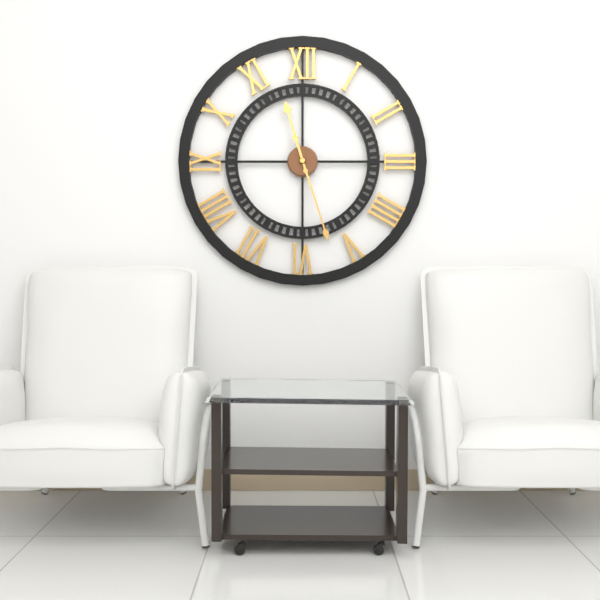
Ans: 11:27
